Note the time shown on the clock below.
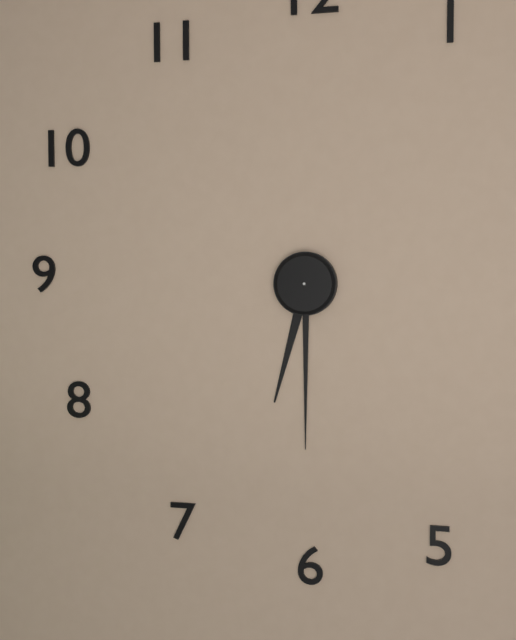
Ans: 6:30
